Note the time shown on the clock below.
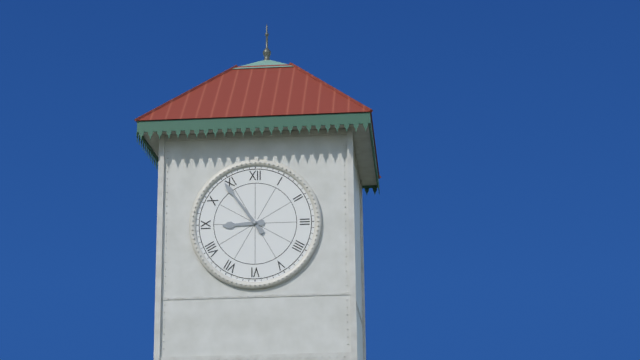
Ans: 8:54
